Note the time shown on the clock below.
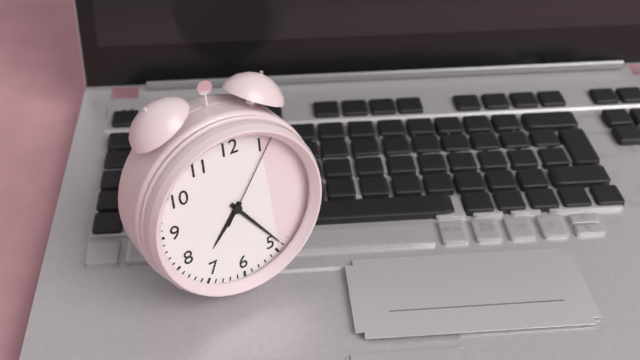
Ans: 7:24:06
